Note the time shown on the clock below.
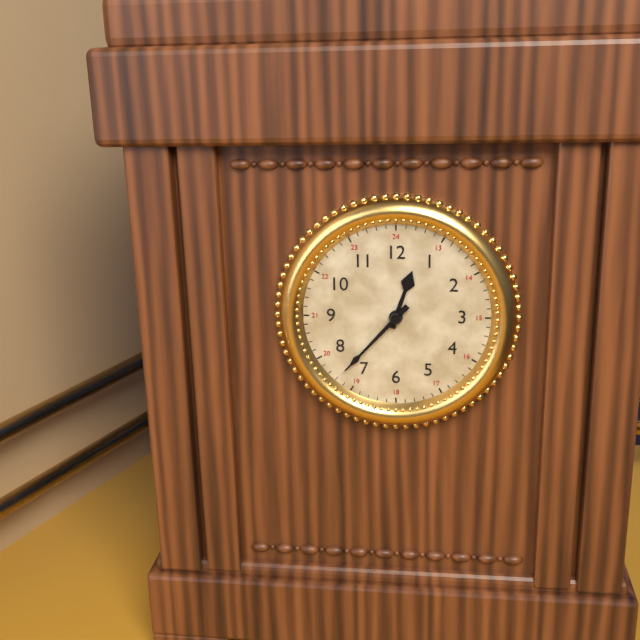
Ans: 12:37
